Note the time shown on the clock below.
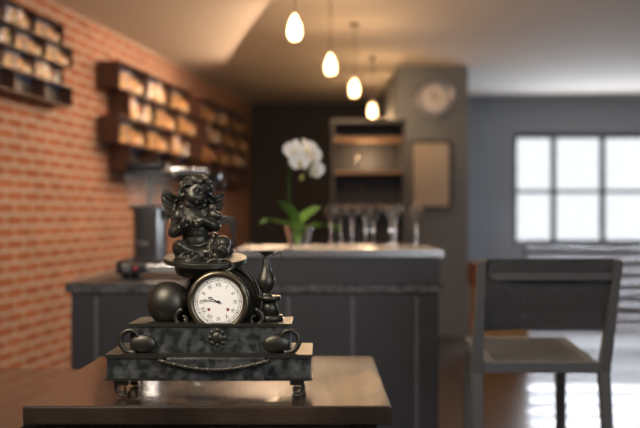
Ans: 9:46
